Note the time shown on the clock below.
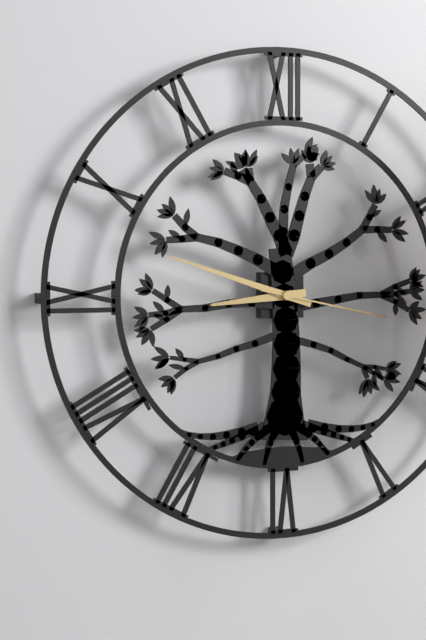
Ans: 8:48:17
